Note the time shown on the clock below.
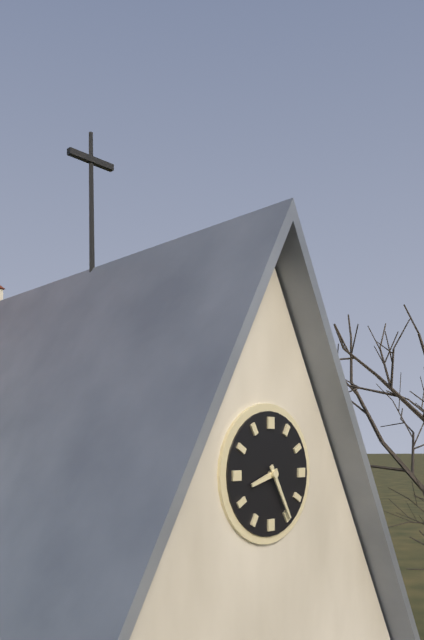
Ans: 8:25
